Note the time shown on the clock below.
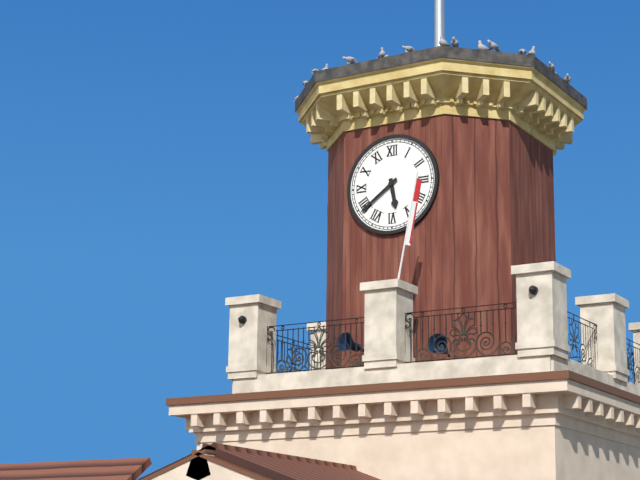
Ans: 5:39
